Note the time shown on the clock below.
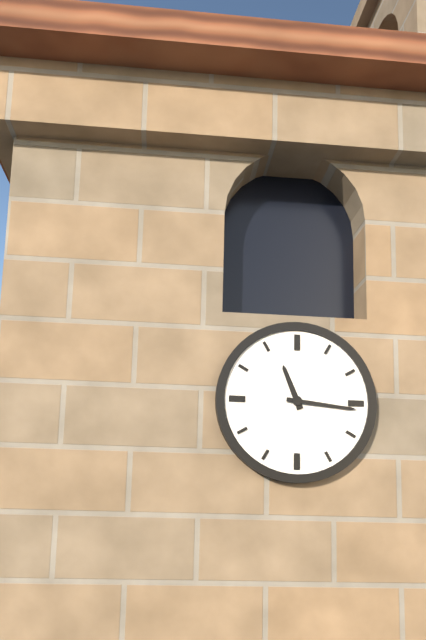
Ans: 11:16
